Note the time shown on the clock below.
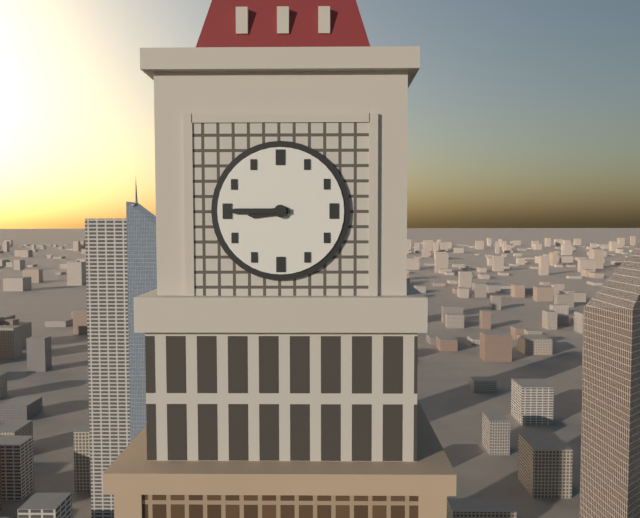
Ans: 8:45
